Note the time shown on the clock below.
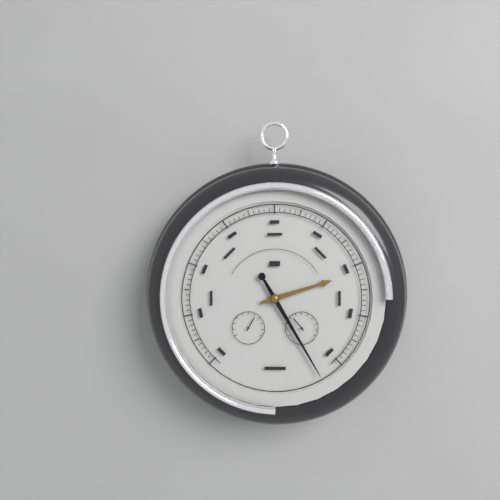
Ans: 2:25
